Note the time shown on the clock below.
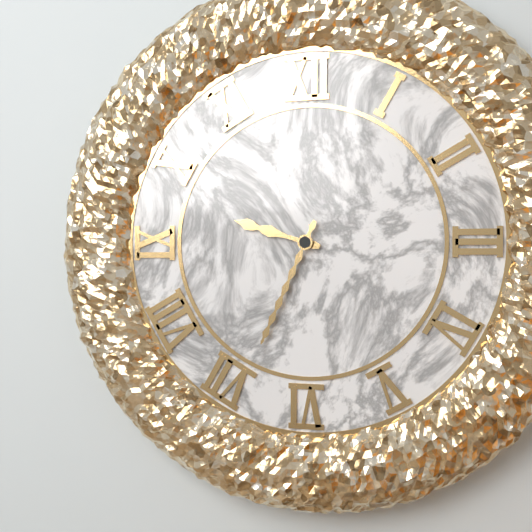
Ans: 9:34
